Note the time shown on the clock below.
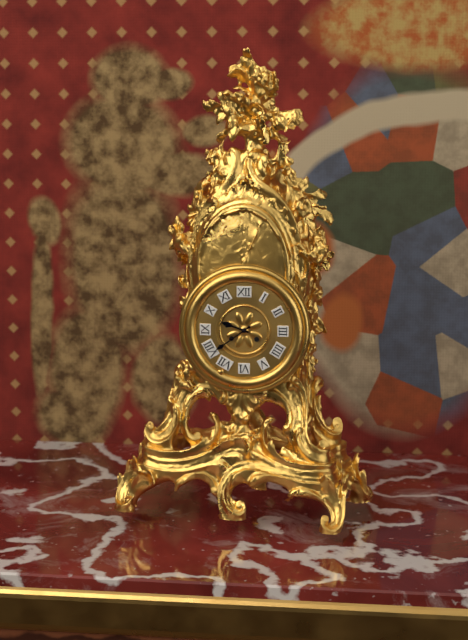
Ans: 9:39
